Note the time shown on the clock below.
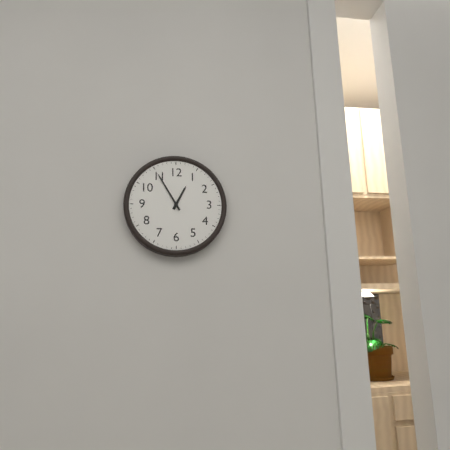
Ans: 12:55
